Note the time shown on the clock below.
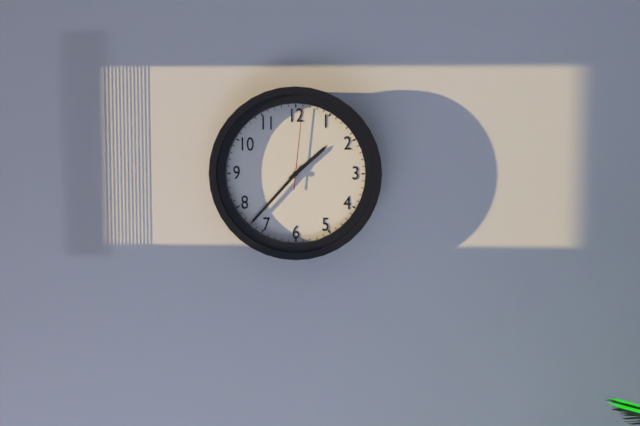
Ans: 1:37:01
